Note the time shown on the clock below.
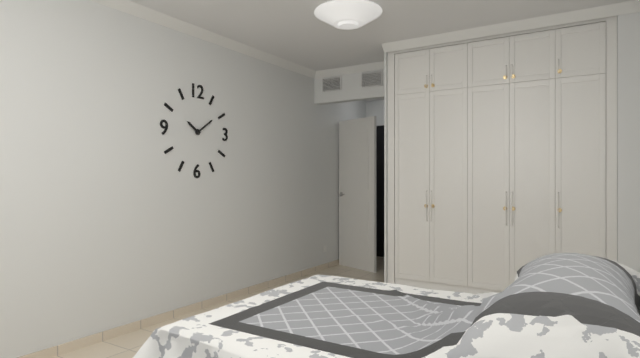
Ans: 10:09
